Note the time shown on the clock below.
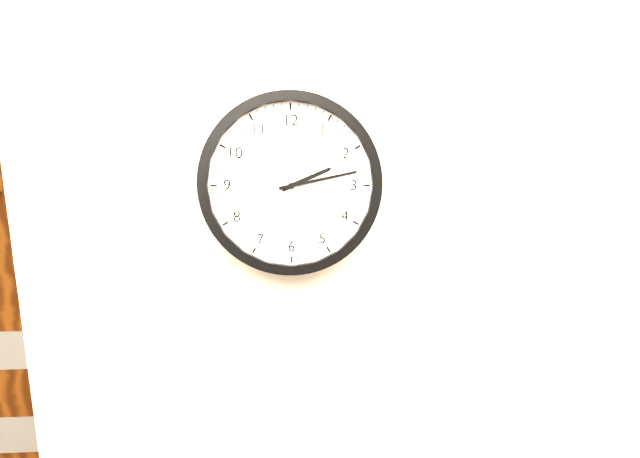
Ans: 2:13
